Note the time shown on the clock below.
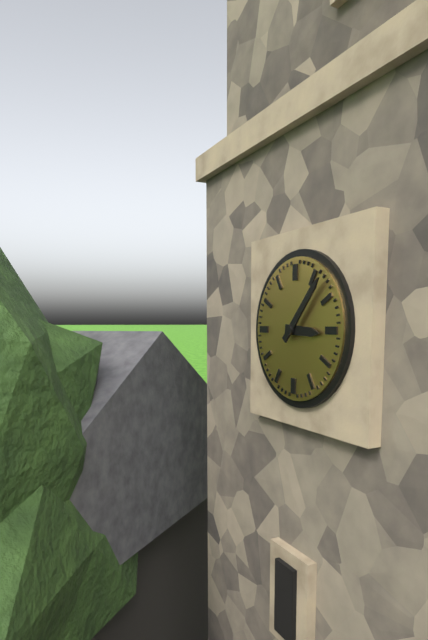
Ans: 3:07
